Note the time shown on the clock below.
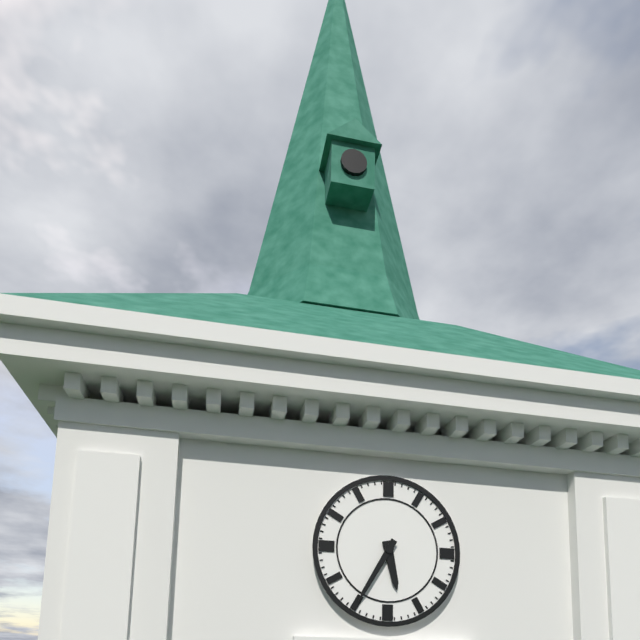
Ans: 5:35
